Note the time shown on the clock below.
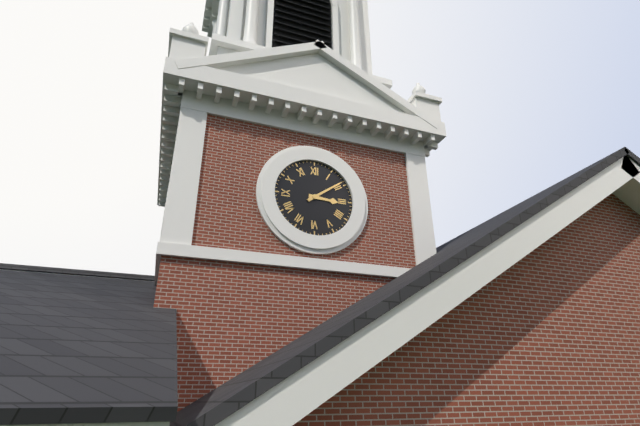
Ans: 3:09
